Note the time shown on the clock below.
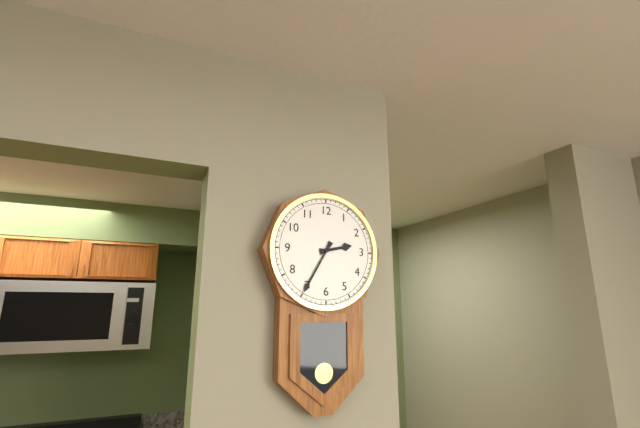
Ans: 2:35
